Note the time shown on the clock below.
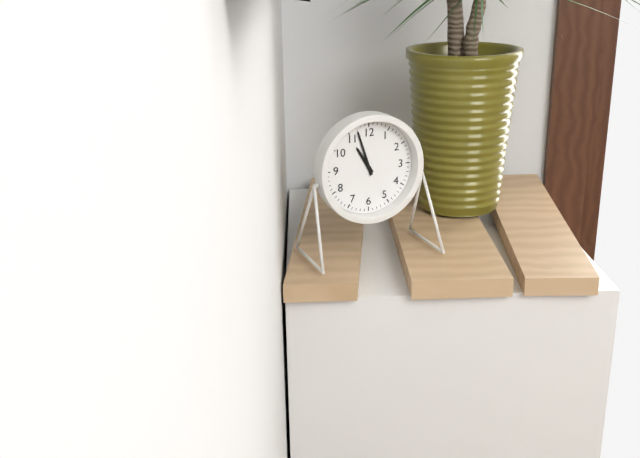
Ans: 10:57
